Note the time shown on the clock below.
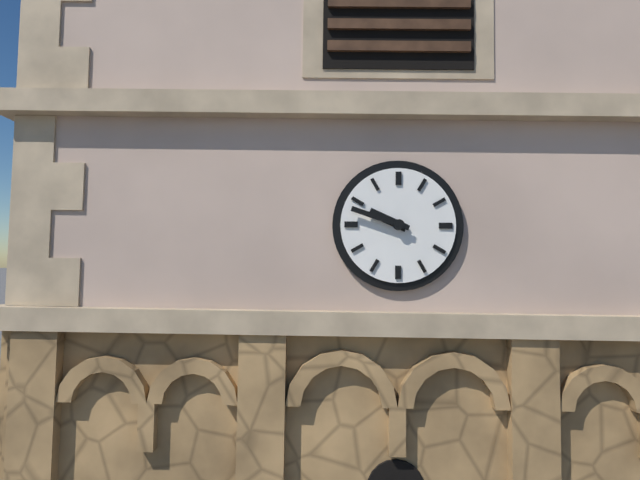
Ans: 9:48
